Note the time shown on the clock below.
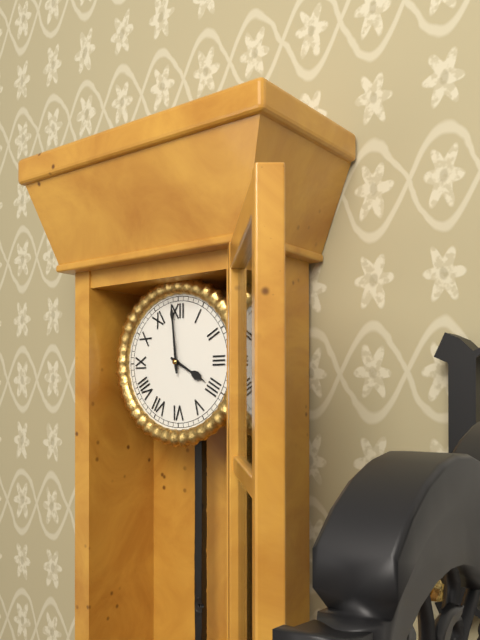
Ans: 3:59
